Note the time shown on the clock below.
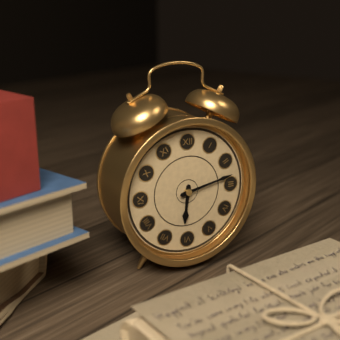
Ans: 6:13
